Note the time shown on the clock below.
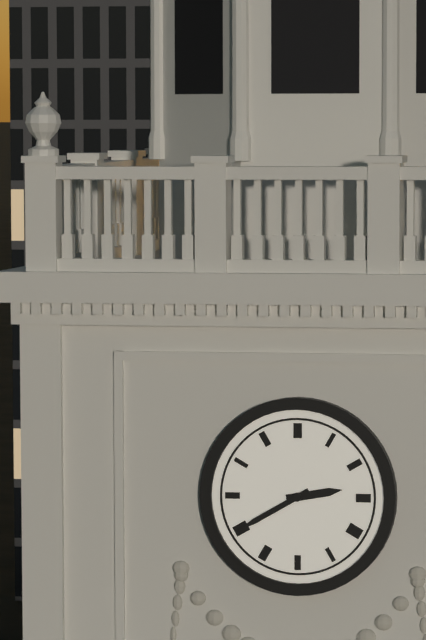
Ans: 2:40
